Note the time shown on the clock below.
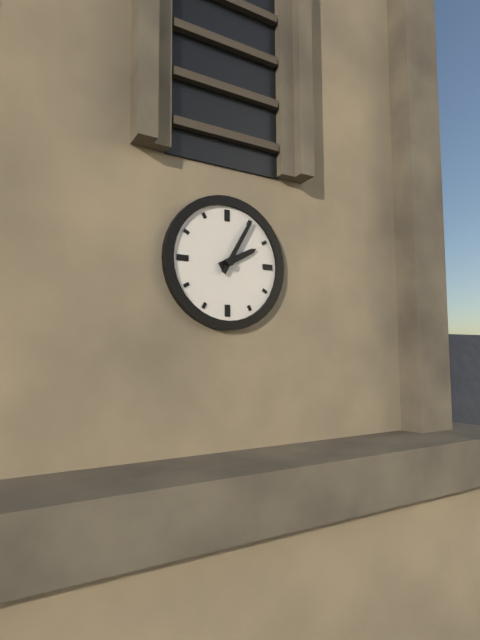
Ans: 2:05
